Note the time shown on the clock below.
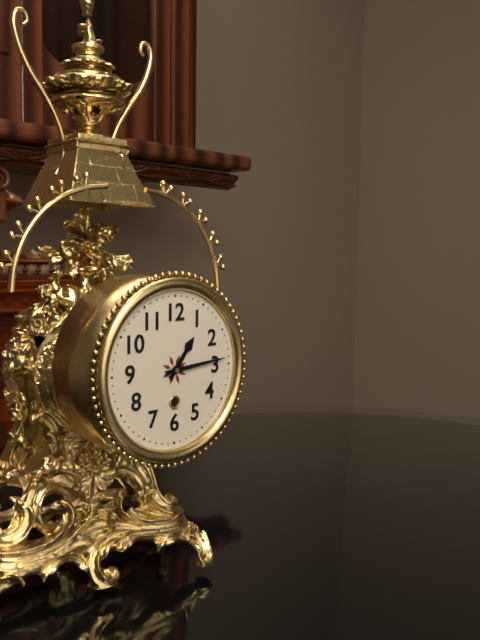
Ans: 1:14
